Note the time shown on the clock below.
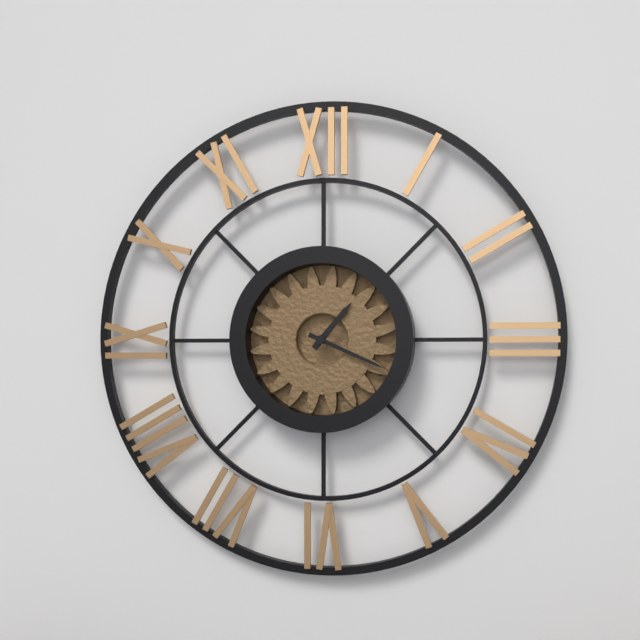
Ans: 1:19
